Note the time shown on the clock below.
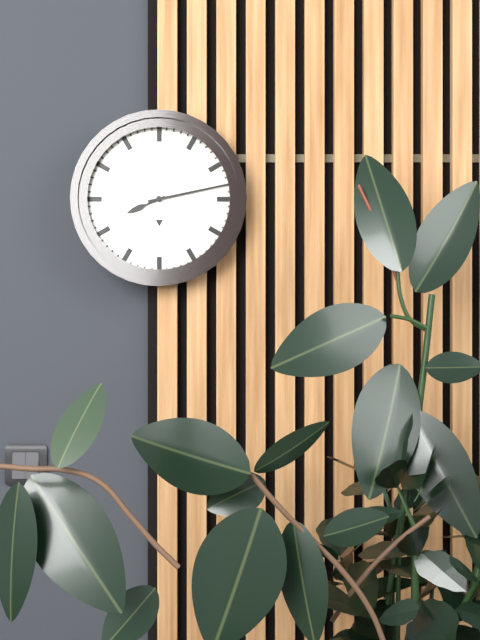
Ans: 8:13
